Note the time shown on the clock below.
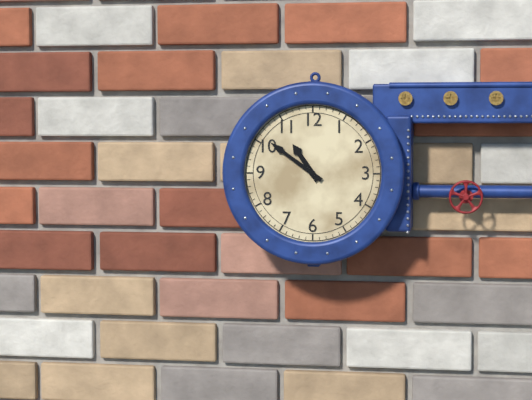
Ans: 10:51
